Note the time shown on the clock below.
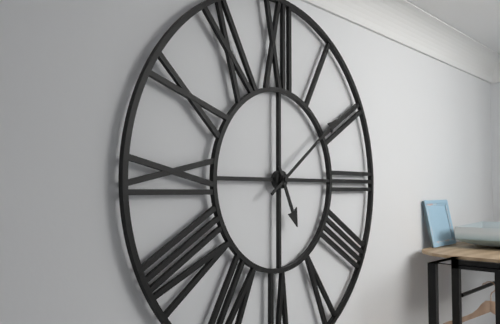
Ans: 5:09
